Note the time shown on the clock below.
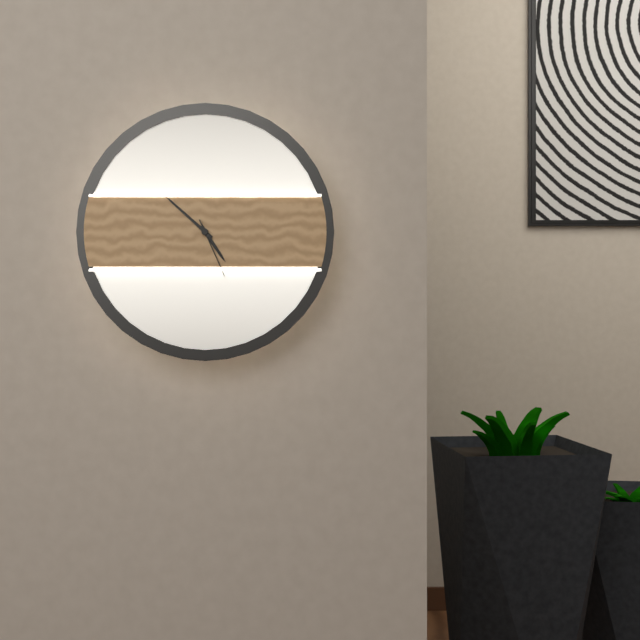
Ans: 4:52:26
